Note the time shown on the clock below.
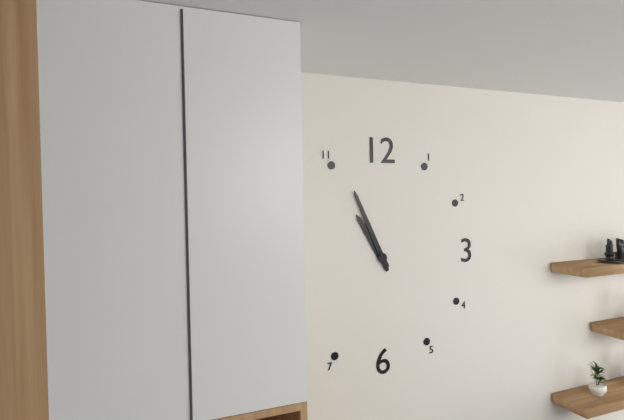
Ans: 10:56
